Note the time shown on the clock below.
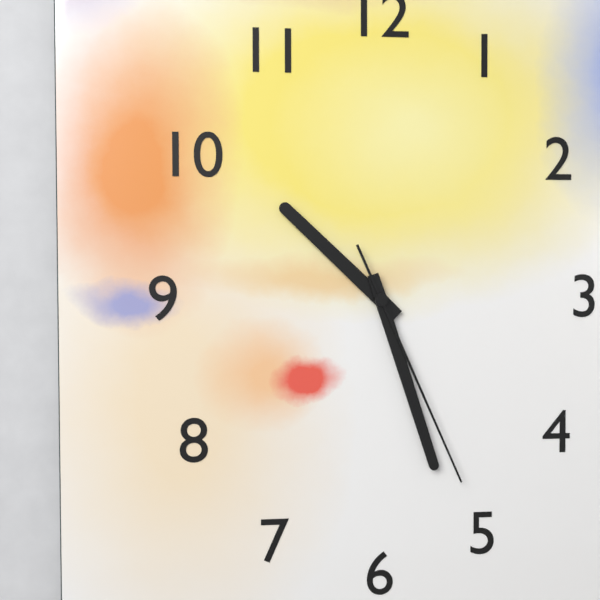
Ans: 10:27:26
